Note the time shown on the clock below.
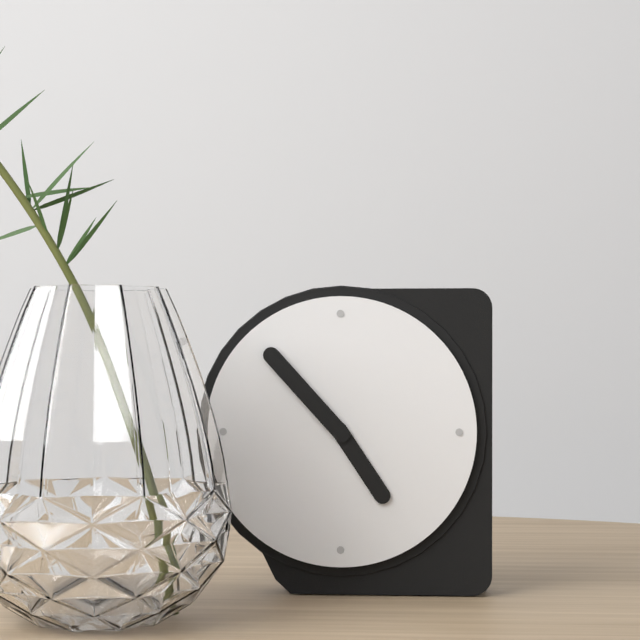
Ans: 4:53
